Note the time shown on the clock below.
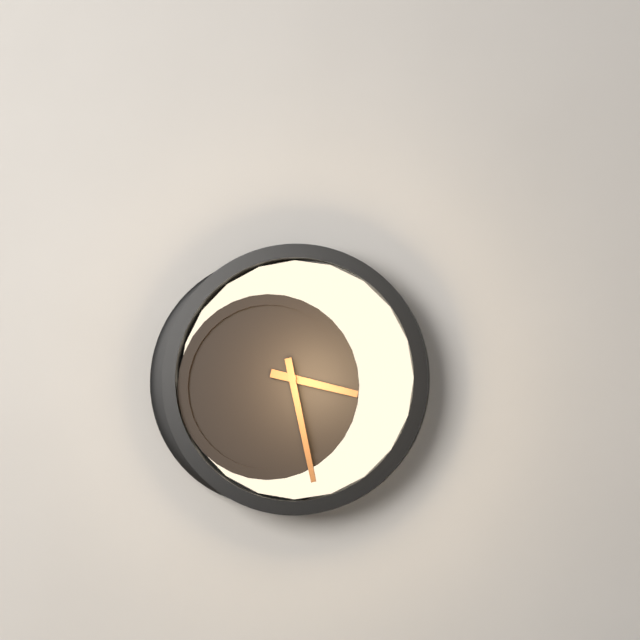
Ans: 3:28
